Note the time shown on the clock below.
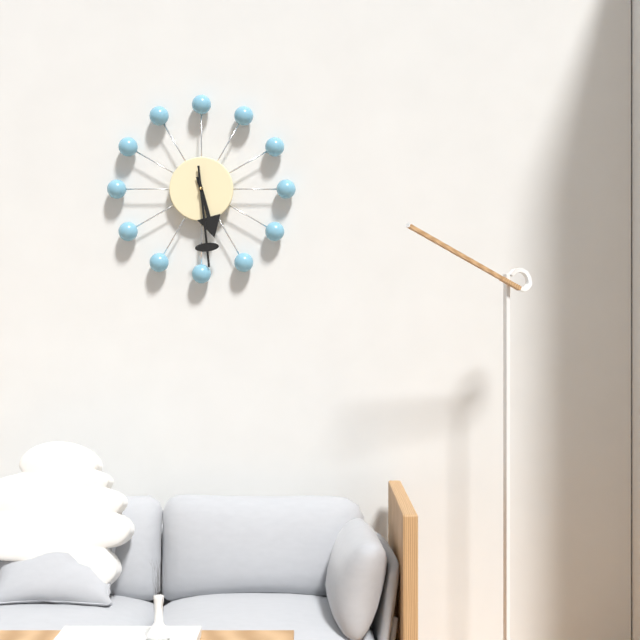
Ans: 5:29
